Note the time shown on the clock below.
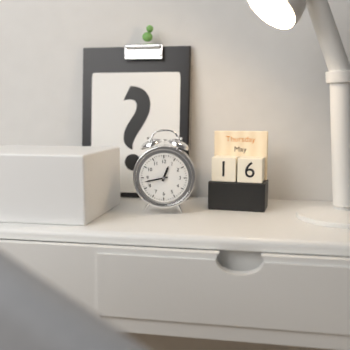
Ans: 12:43
